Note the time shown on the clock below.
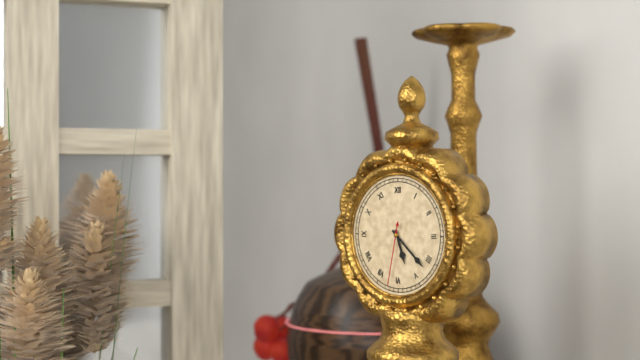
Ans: 5:22:32
